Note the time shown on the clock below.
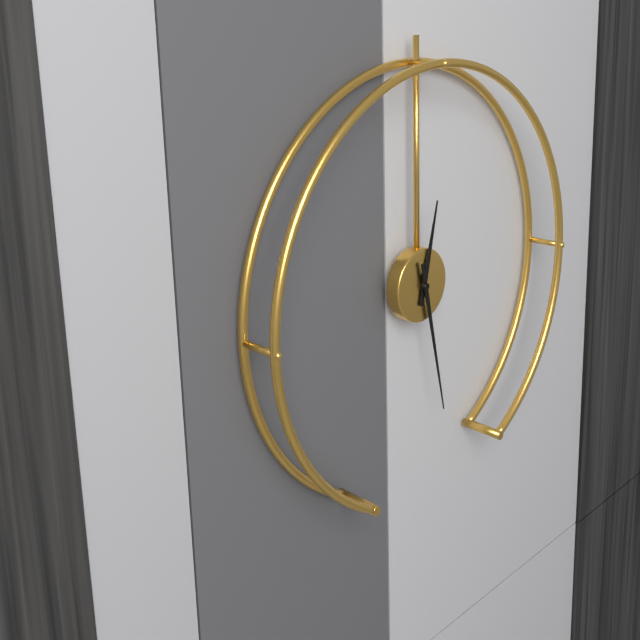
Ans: 12:28
